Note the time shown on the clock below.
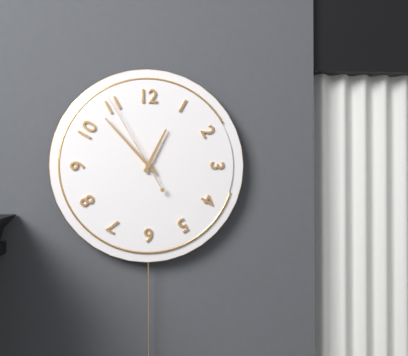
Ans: 12:53:55
